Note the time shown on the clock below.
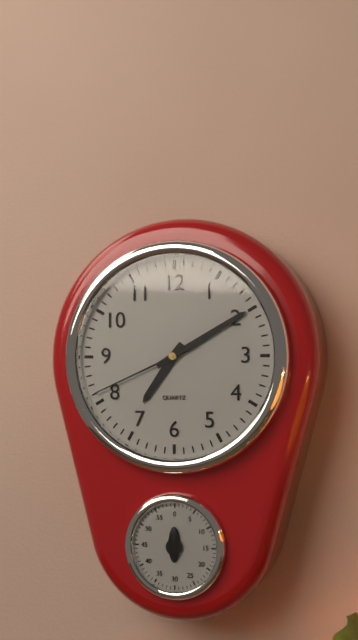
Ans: 7:10:41
